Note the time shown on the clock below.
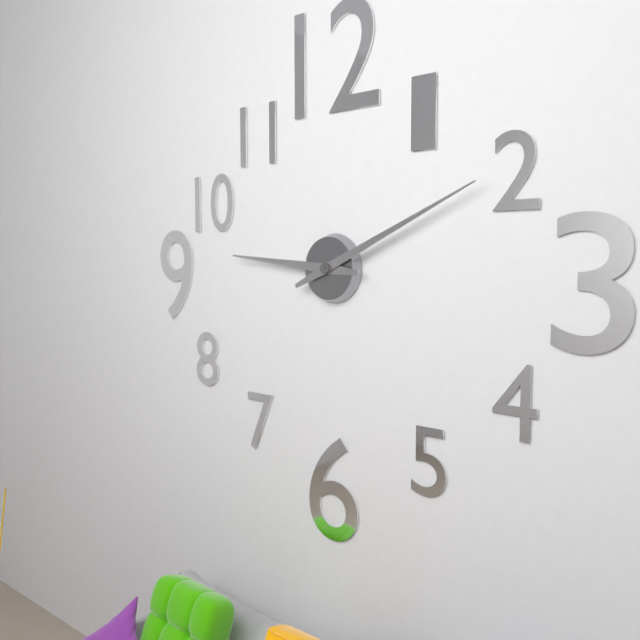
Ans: 9:11
